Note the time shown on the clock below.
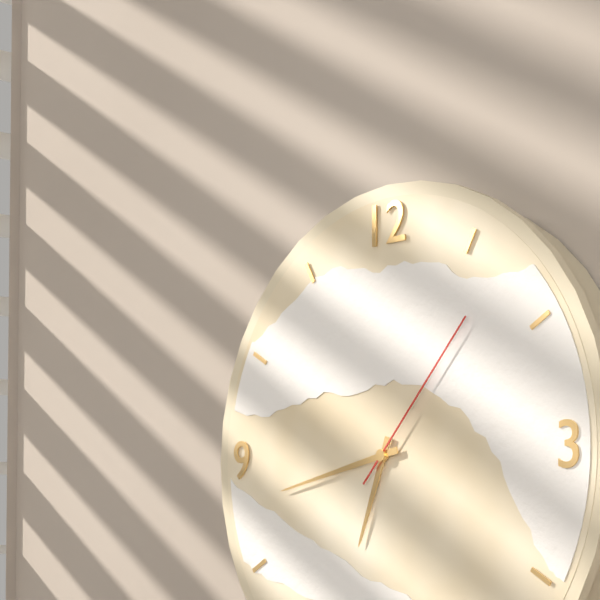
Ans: 6:43:07
